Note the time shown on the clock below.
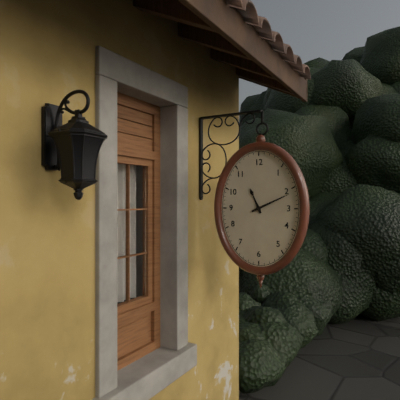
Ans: 11:11
